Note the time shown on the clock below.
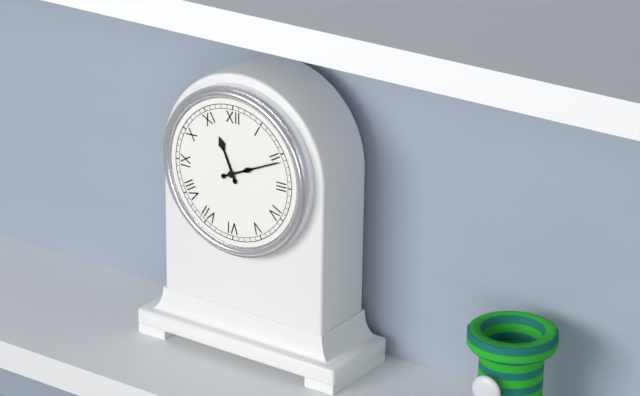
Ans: 11:11
